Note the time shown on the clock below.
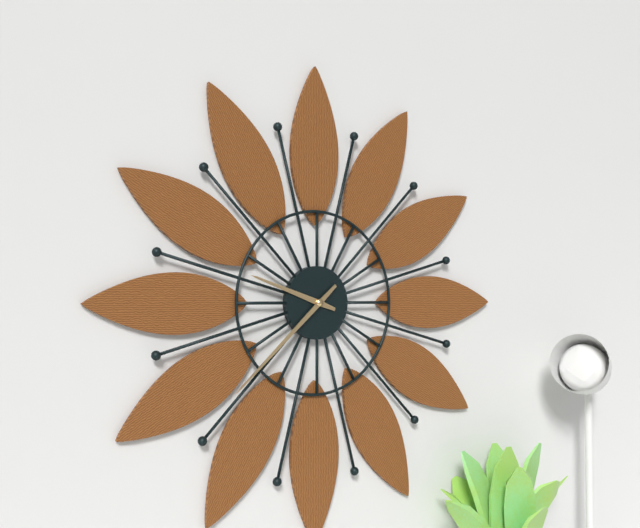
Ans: 9:38
